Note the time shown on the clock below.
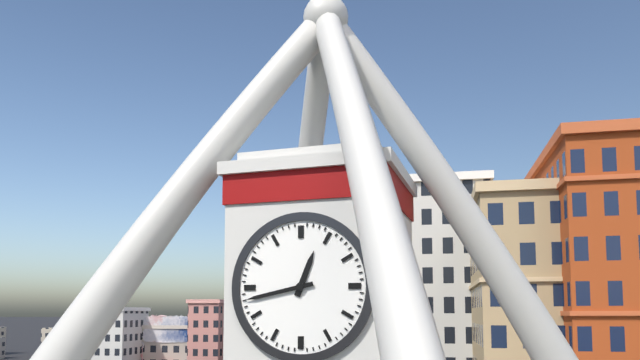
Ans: 12:43
